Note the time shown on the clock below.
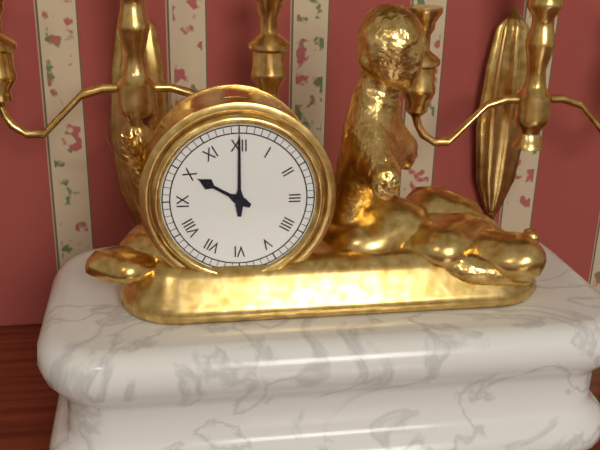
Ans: 10:00
